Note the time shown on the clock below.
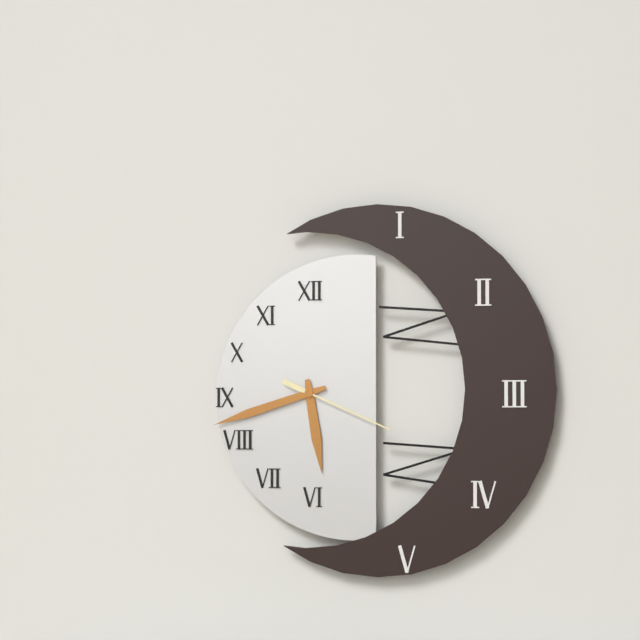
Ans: 5:42:19
